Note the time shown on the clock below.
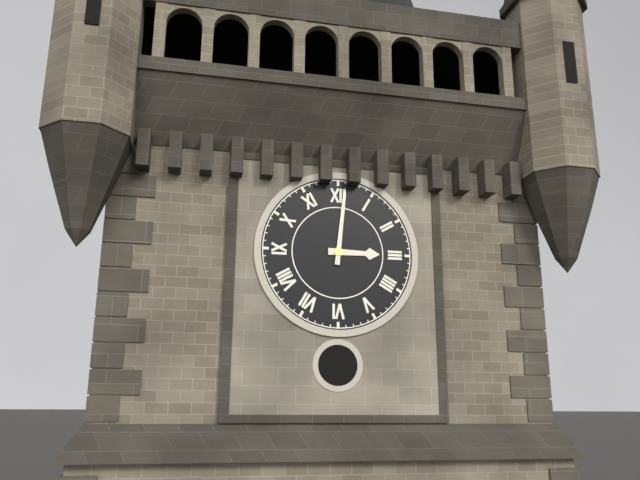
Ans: 3:01
